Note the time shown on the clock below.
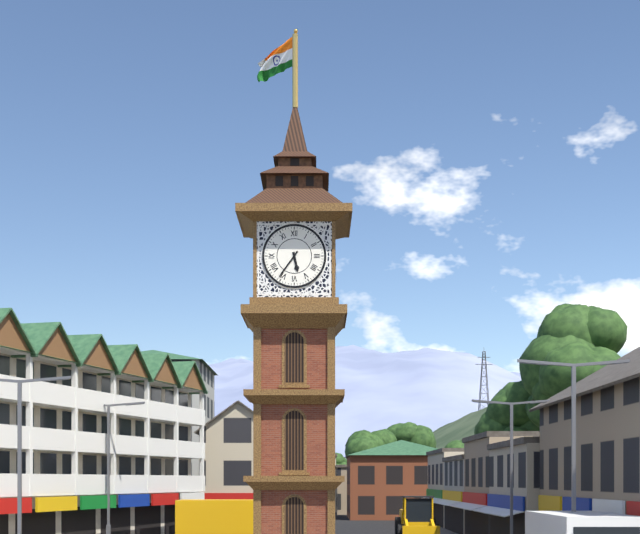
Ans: 5:36
